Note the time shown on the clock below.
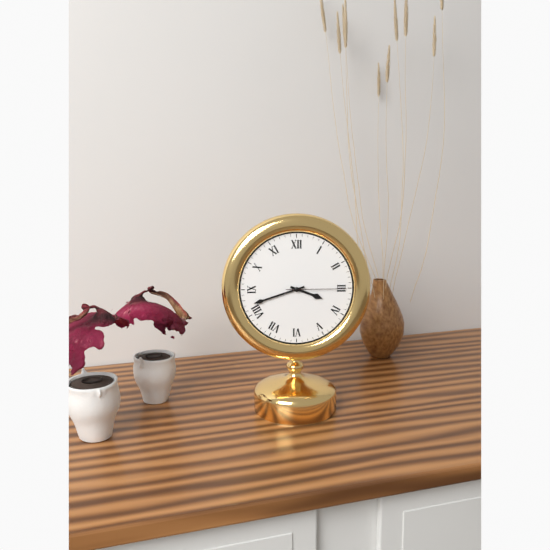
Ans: 3:42:15
